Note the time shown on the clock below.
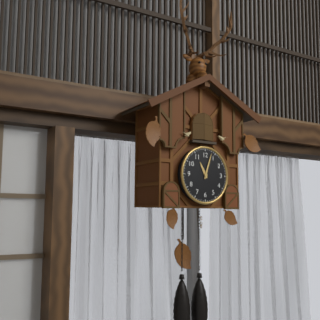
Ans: 11:03
